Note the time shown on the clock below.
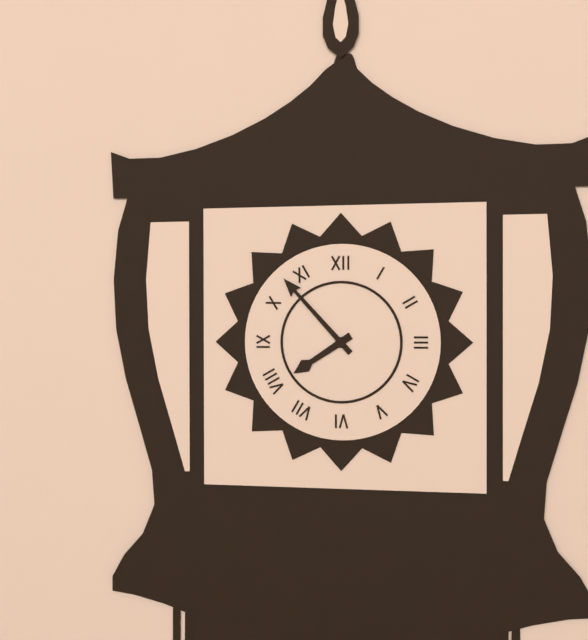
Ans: 7:53
